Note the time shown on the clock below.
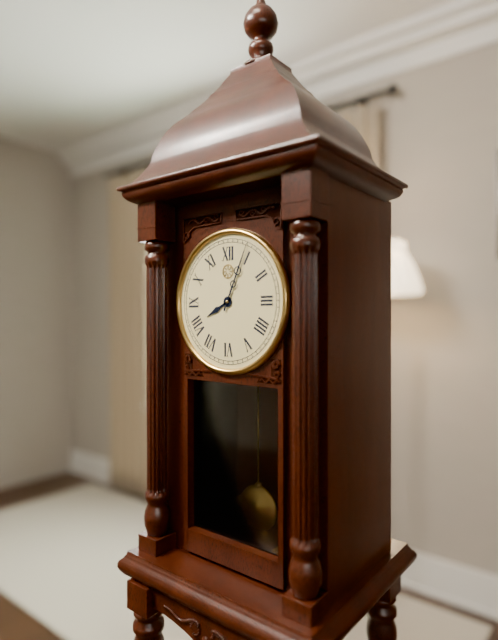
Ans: 8:04
